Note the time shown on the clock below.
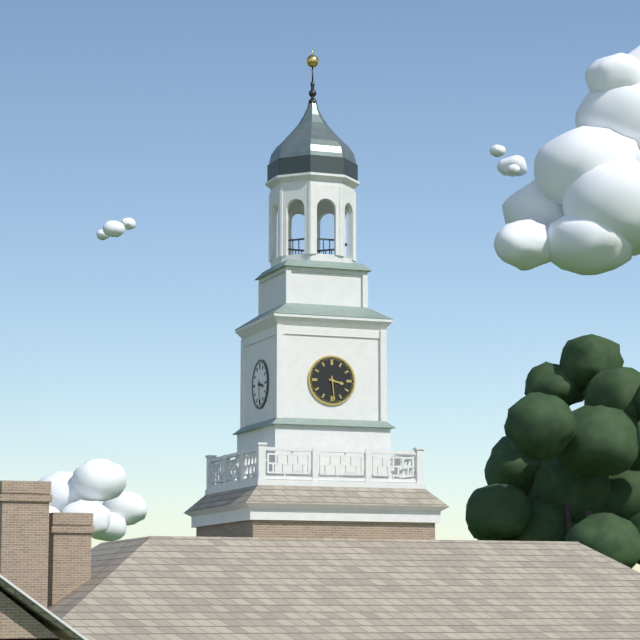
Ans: 3:29
